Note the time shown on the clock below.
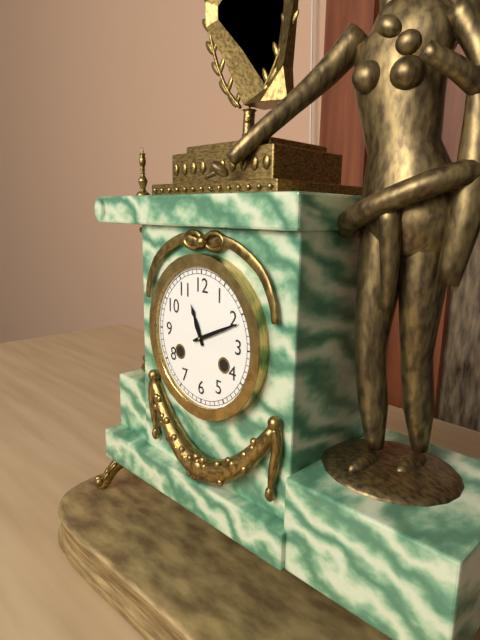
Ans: 11:11
